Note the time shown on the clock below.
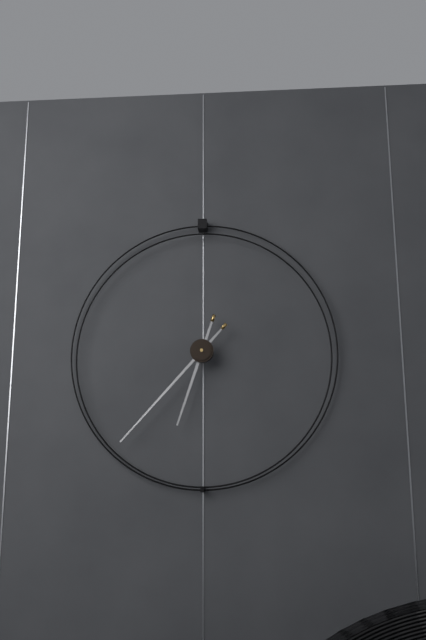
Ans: 6:37
